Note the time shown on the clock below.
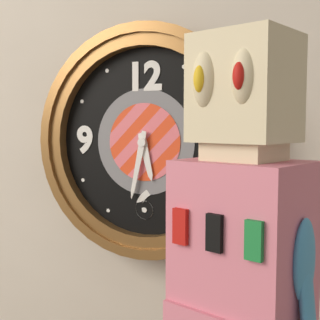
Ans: 5:32
